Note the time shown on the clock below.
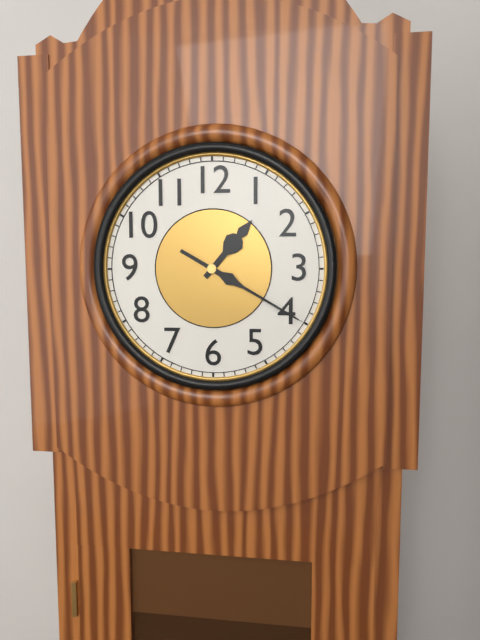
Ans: 1:20
